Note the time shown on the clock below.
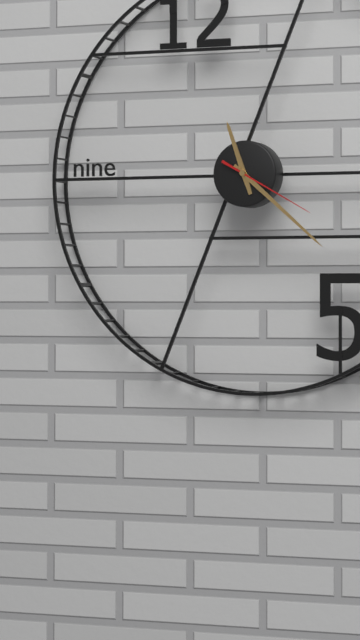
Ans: 11:22:20
